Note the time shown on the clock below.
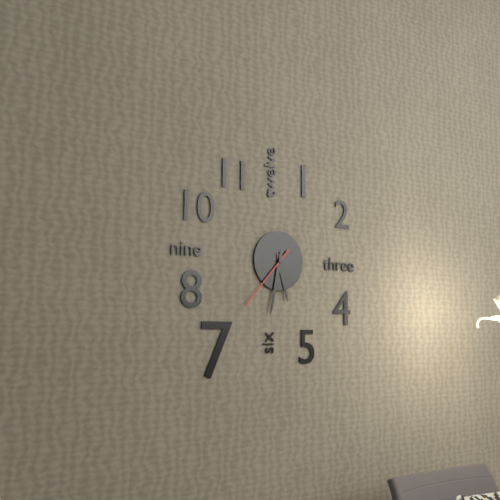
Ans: 5:32:37
